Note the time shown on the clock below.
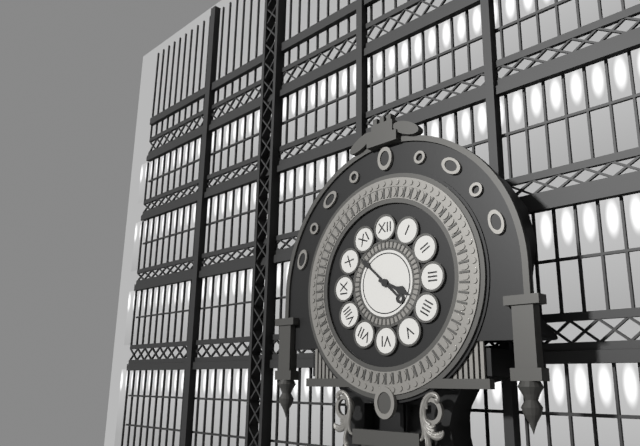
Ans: 3:52
